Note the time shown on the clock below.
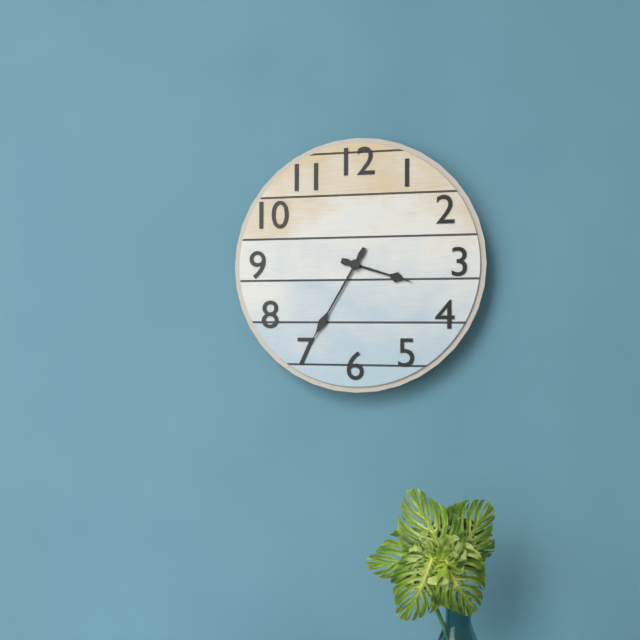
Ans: 3:35
